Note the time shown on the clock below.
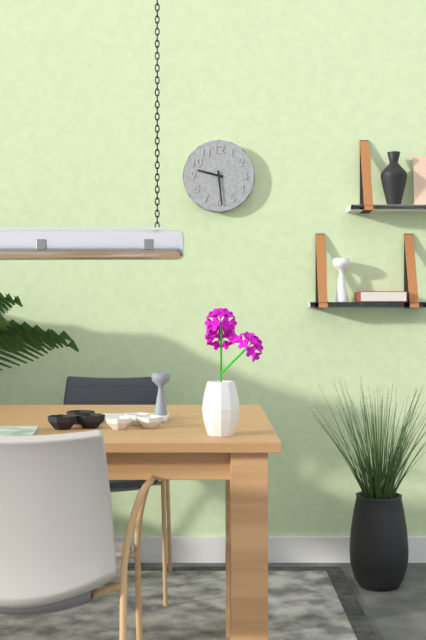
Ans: 9:29
